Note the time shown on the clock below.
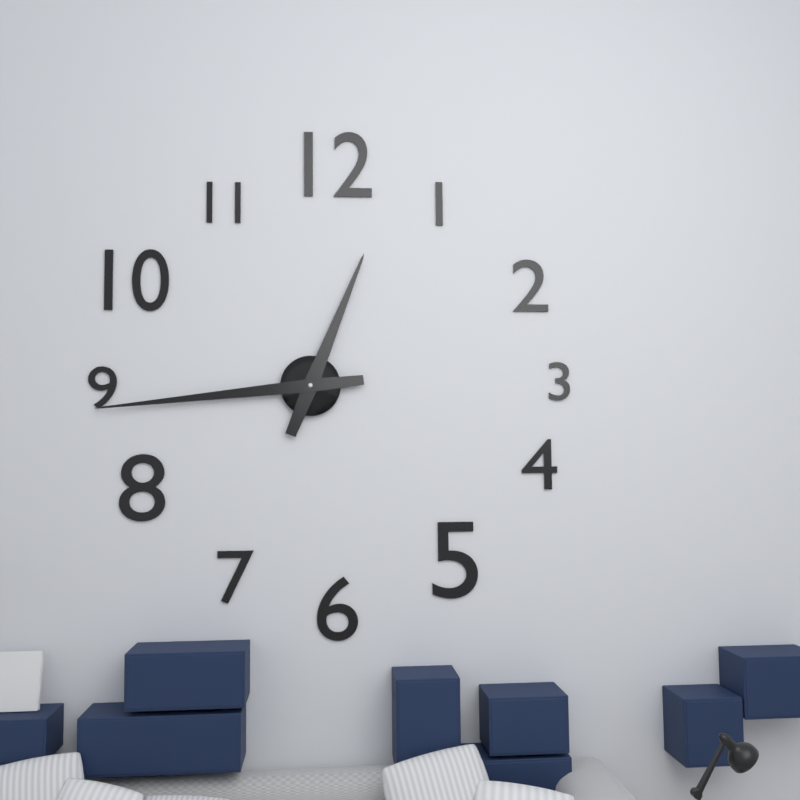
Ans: 12:44
